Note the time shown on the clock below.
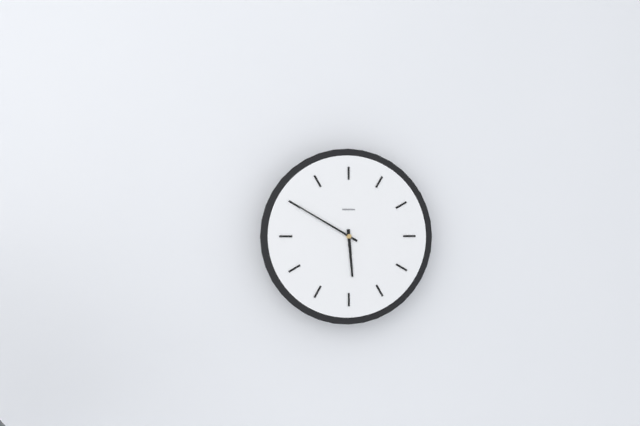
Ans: 5:50
